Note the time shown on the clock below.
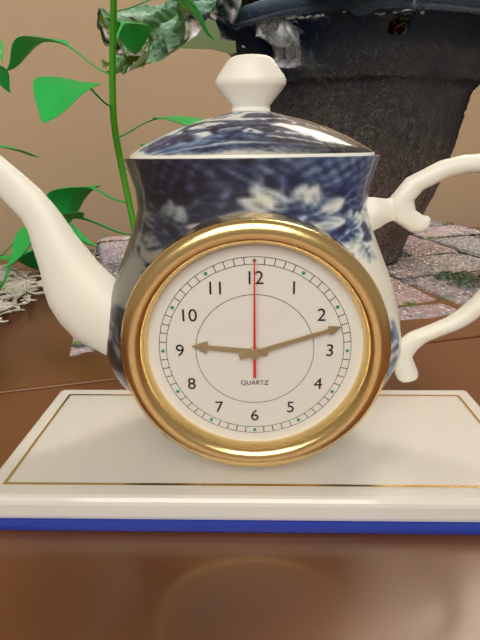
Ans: 9:12:00
